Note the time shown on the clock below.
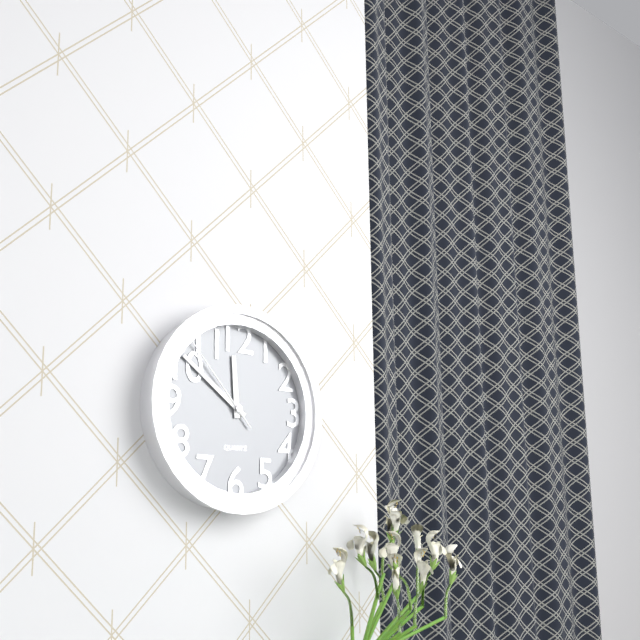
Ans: 11:51:53
